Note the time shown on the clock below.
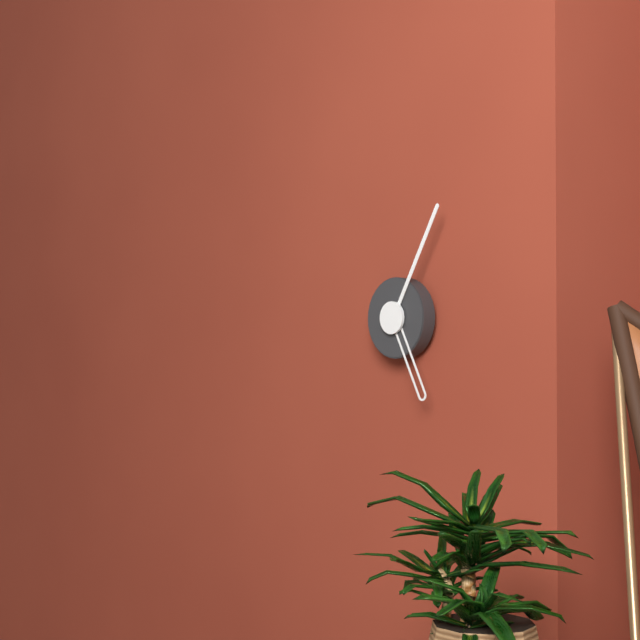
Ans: 5:05
